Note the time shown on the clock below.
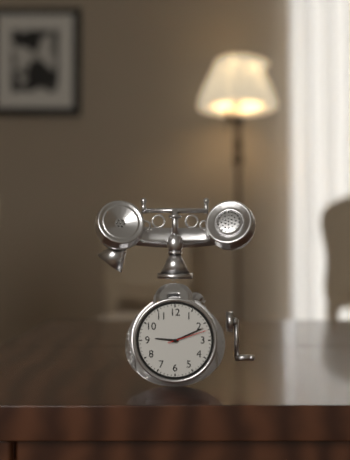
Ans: 9:11
